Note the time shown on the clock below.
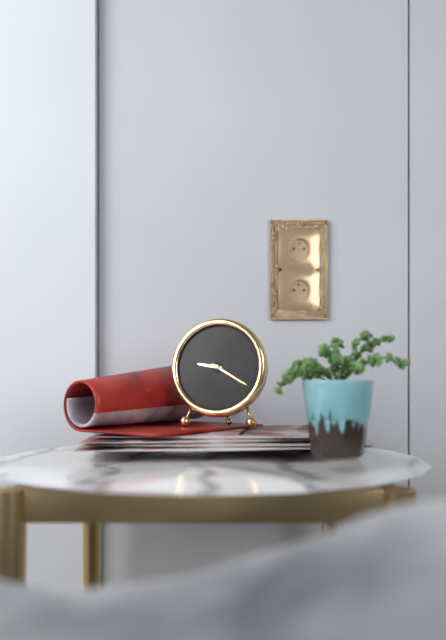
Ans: 9:20
